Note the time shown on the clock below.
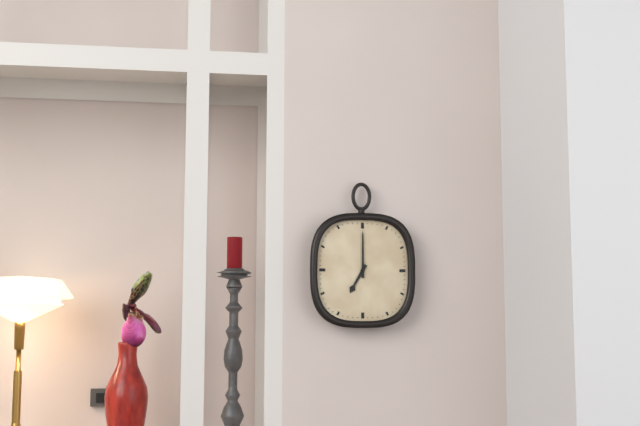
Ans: 7:00
